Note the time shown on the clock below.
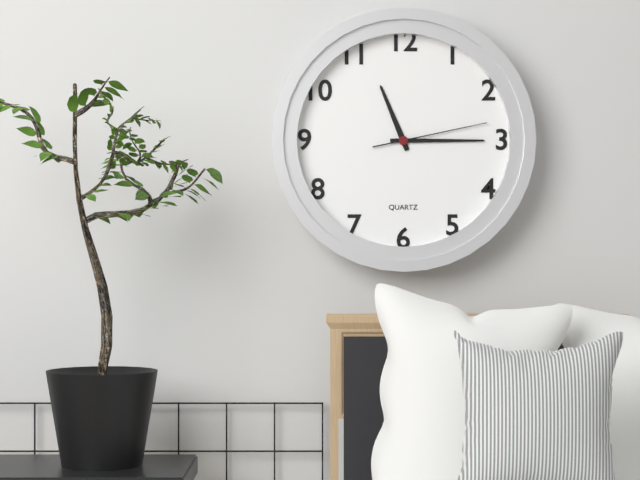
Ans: 11:15:13
